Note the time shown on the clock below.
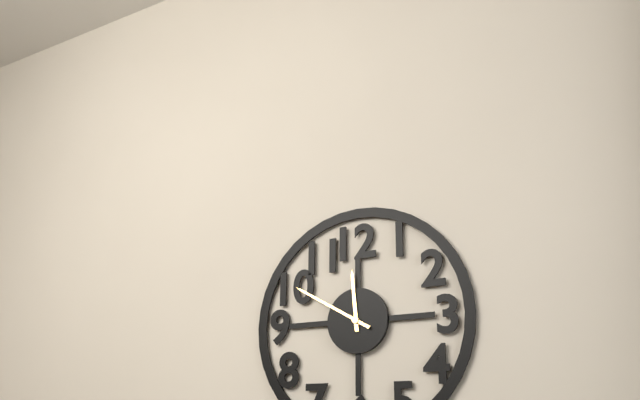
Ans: 11:50
